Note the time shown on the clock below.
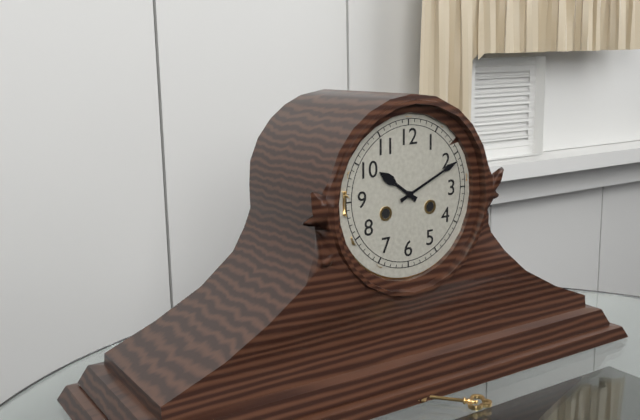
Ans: 10:11
